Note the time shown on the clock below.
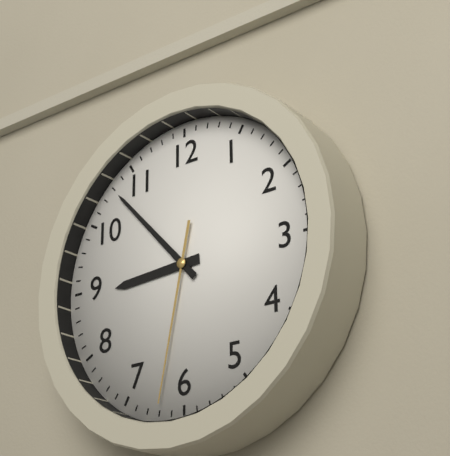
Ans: 8:53:32
